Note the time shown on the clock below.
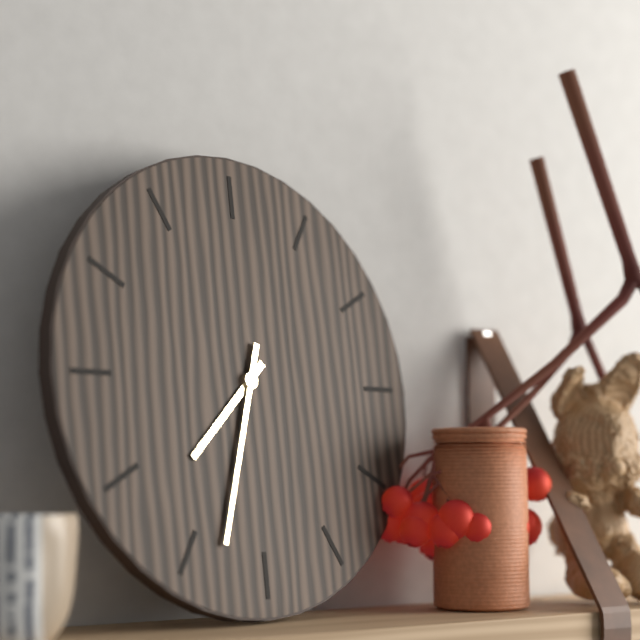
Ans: 7:33
